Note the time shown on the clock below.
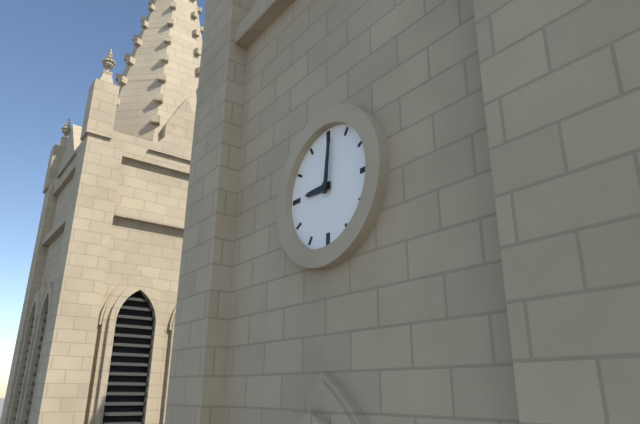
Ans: 9:01
